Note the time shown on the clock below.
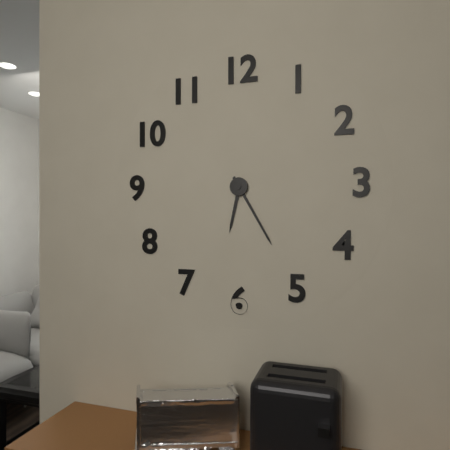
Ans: 6:25
